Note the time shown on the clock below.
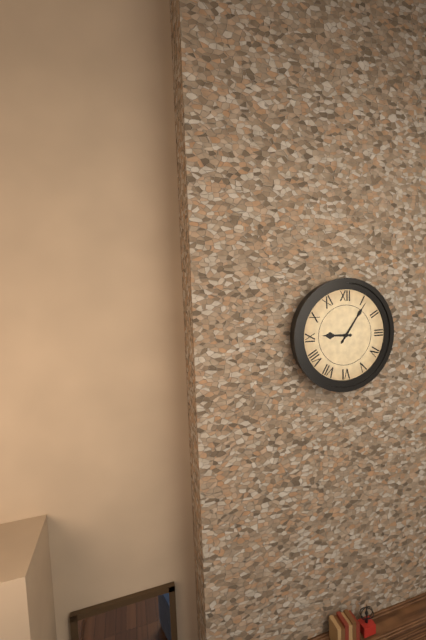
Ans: 9:06
